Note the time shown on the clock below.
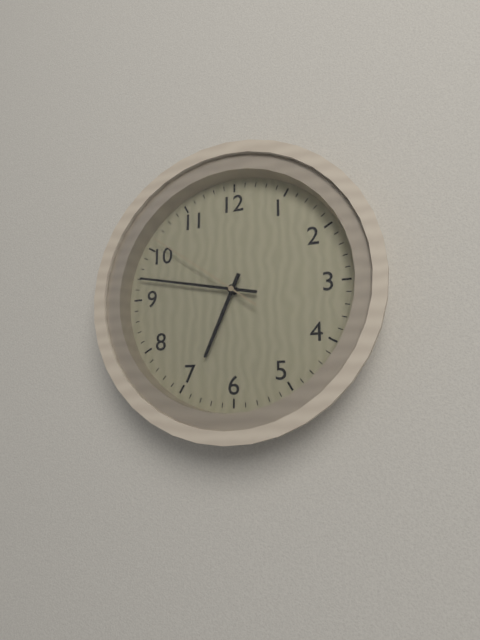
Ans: 6:47:51
